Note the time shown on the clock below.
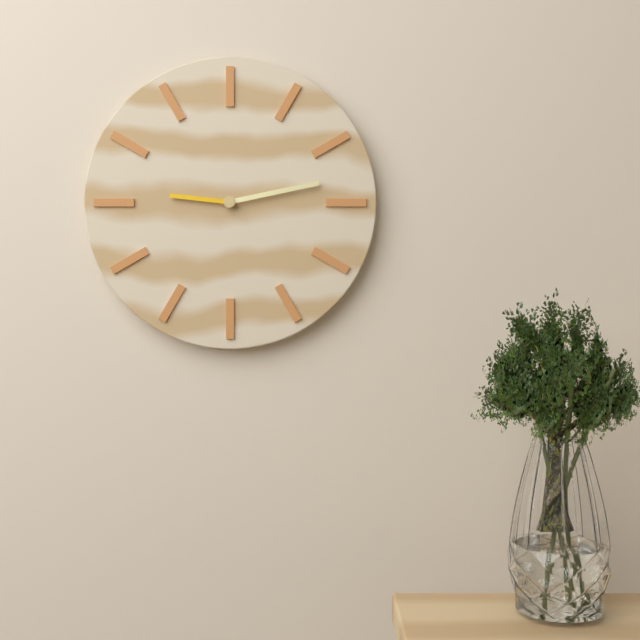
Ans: 9:13
